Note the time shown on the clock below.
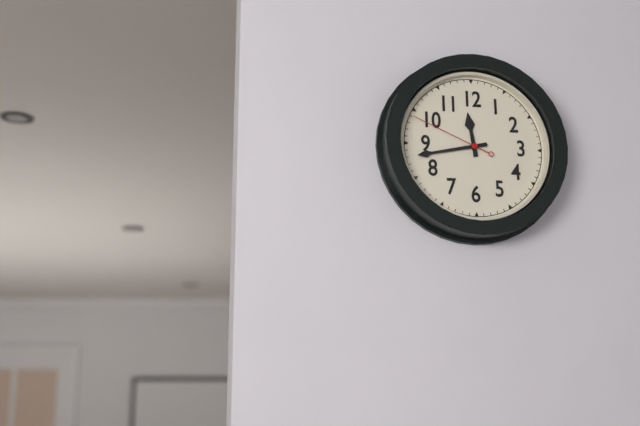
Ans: 11:43:49
